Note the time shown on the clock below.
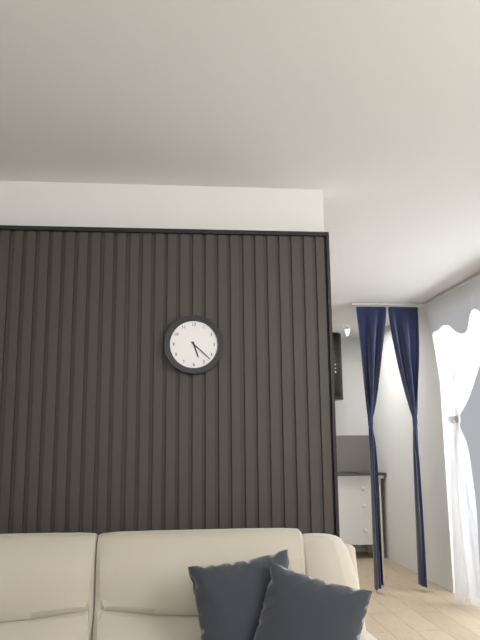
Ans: 5:22
